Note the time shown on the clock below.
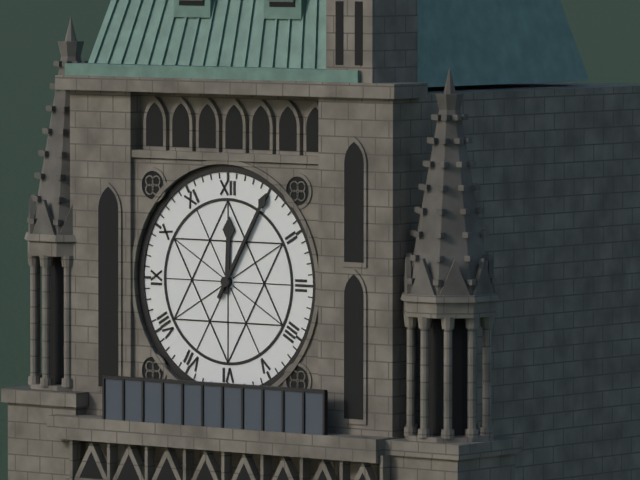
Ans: 12:05
